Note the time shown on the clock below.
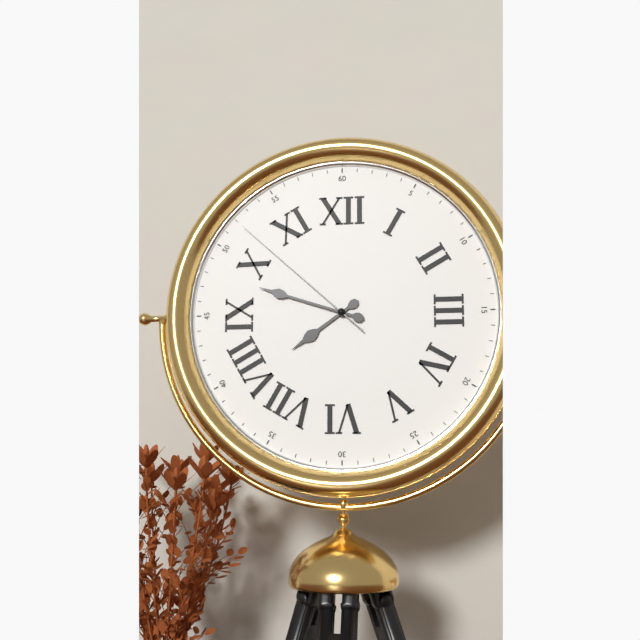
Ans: 7:48:52
